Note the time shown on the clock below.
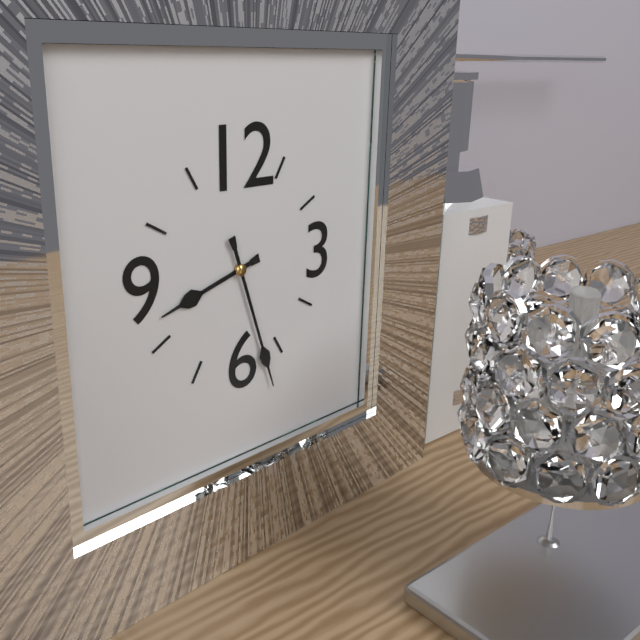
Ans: 8:27
